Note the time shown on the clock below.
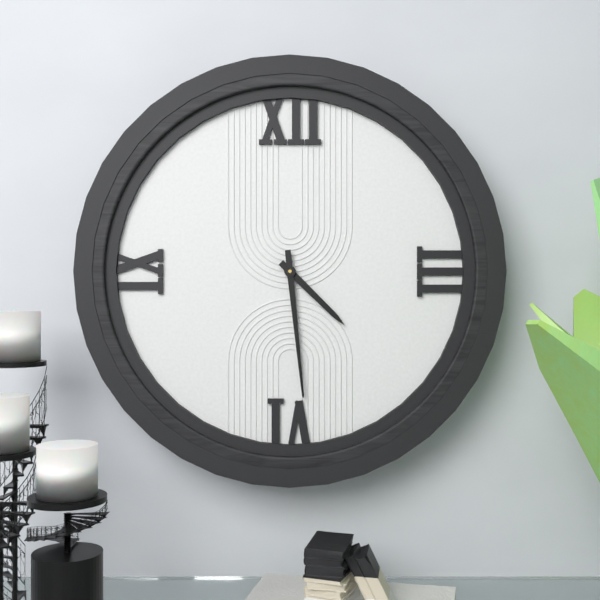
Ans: 4:29
